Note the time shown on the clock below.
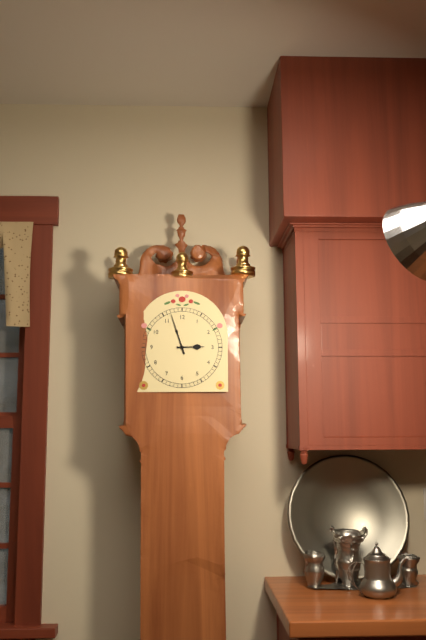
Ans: 2:57
